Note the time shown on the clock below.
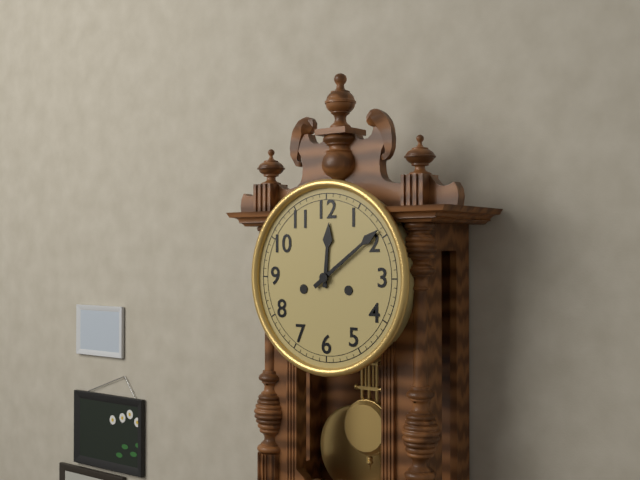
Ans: 12:09
